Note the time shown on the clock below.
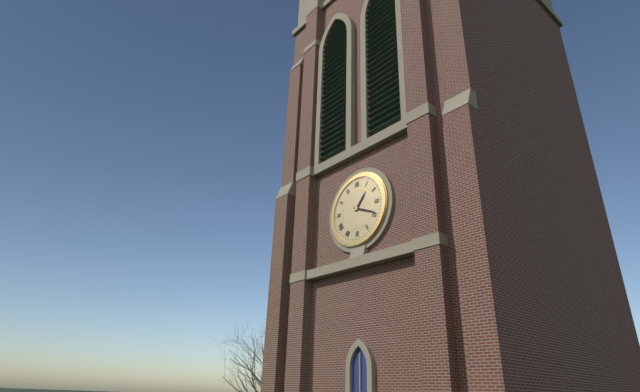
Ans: 1:19
